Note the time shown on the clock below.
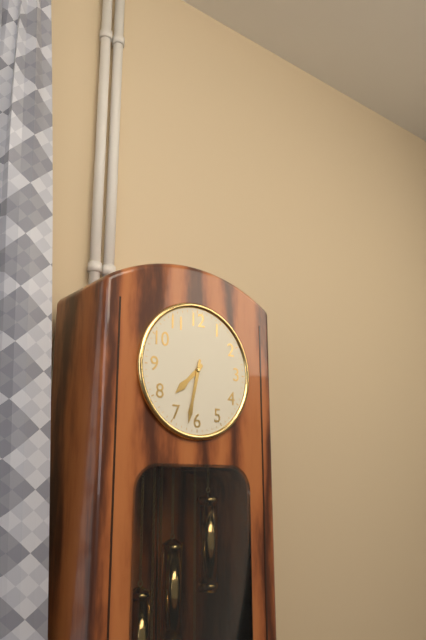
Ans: 7:32
